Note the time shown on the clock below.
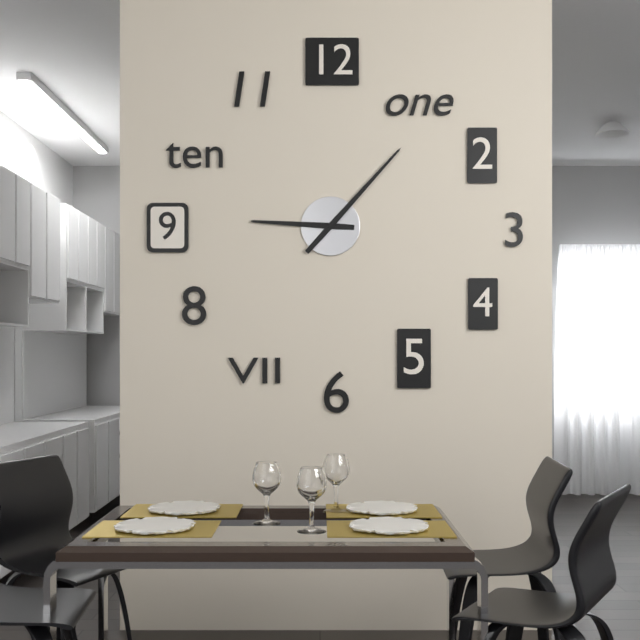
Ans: 9:07
